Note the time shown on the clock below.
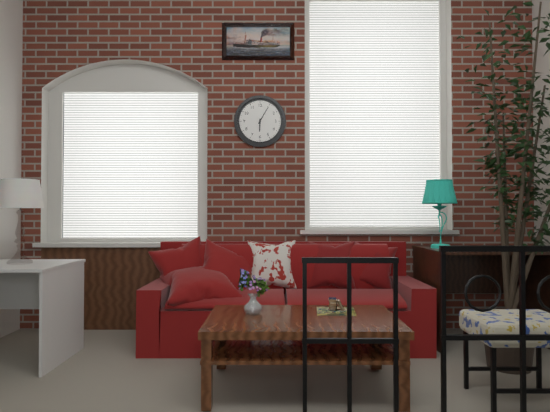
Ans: 6:05
